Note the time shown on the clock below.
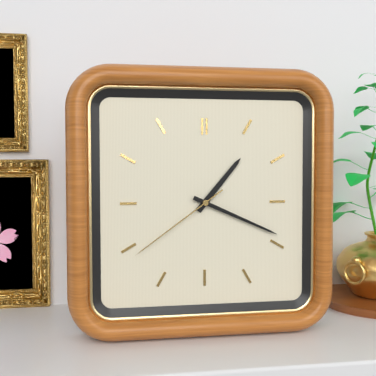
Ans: 1:19:39
